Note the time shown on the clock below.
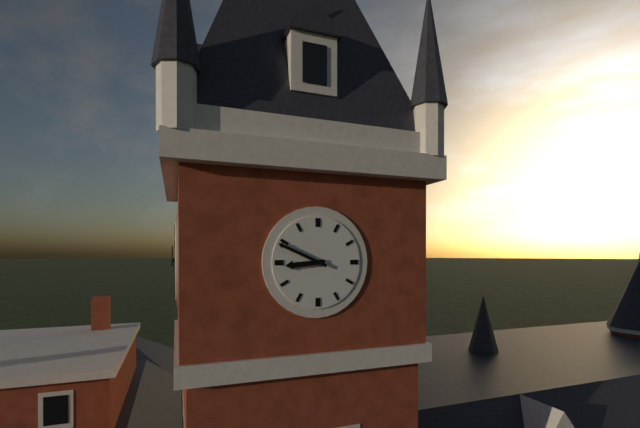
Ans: 8:49
